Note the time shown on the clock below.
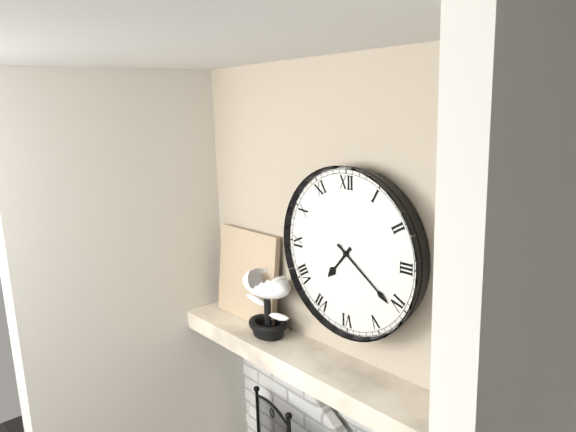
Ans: 7:21
